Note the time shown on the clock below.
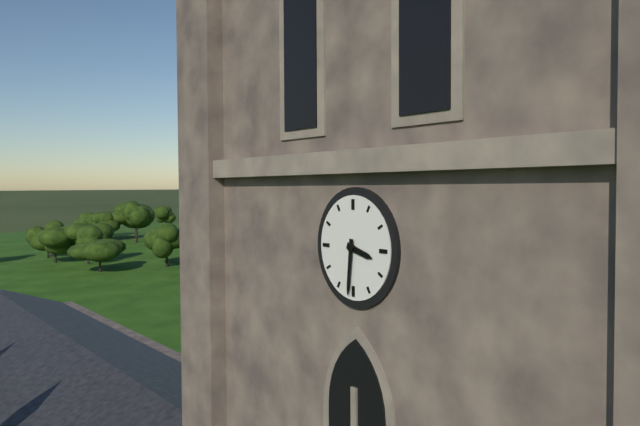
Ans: 3:31
